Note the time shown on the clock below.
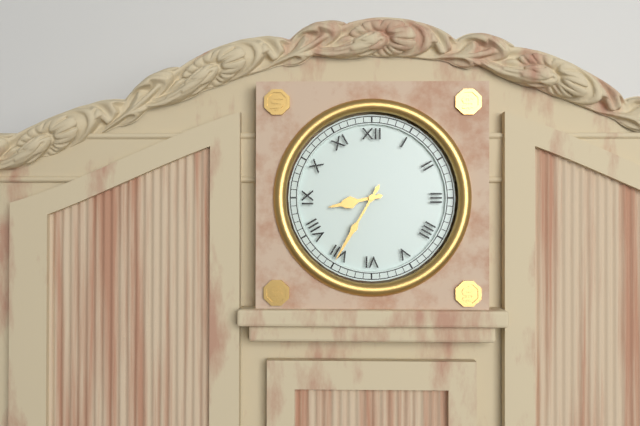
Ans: 8:35
